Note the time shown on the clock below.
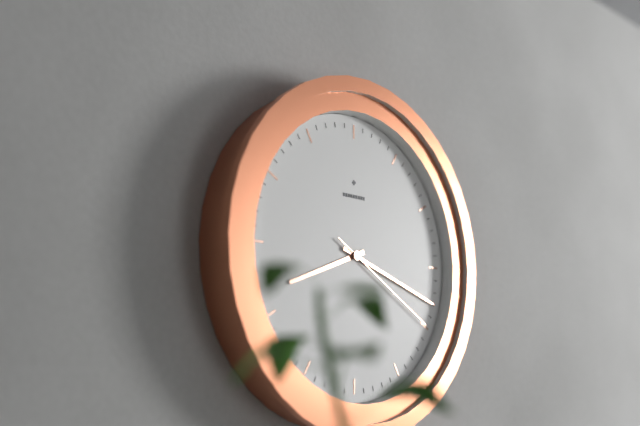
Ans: 8:18:20
